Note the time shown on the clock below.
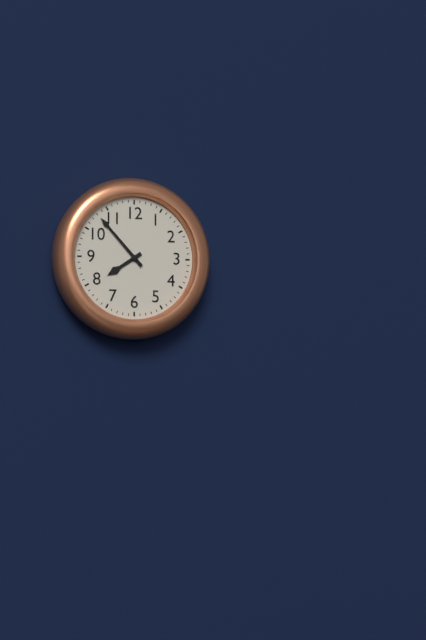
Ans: 7:53
